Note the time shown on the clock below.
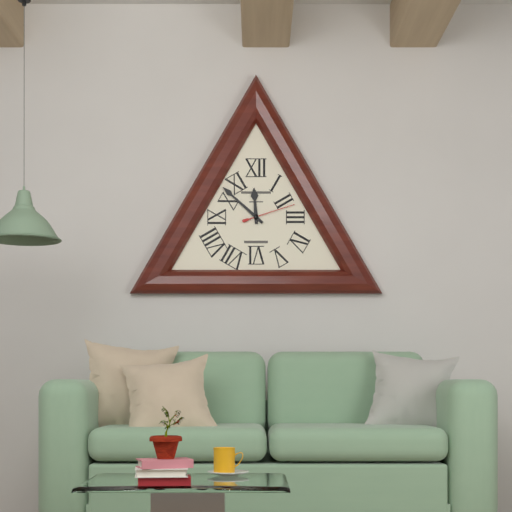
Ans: 11:52:12
